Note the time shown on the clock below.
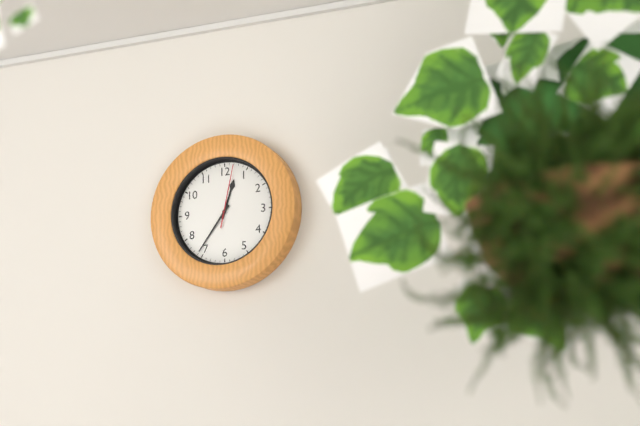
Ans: 12:36:02
